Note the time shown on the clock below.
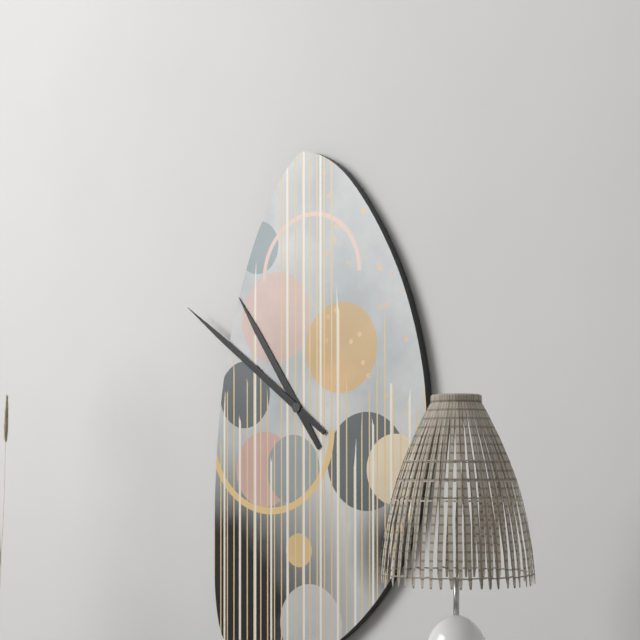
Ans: 10:51
